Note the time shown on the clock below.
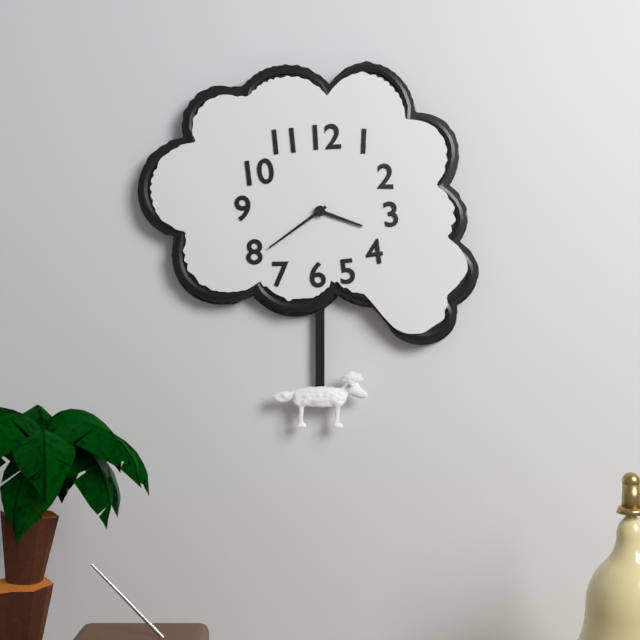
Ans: 3:39
